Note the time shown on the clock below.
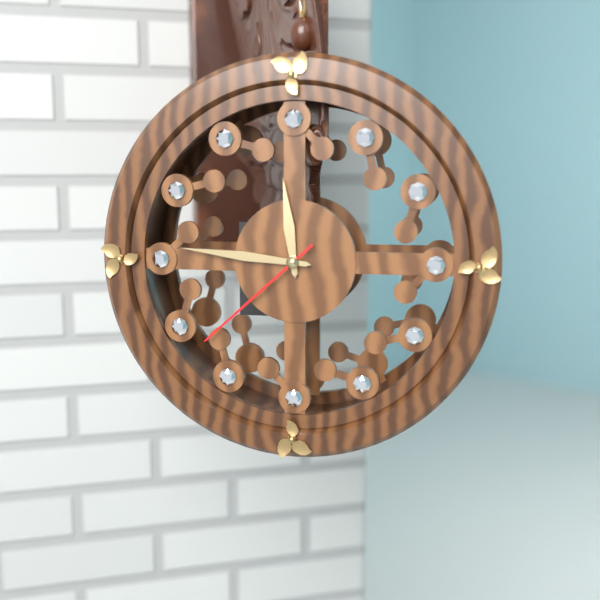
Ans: 11:46:38
